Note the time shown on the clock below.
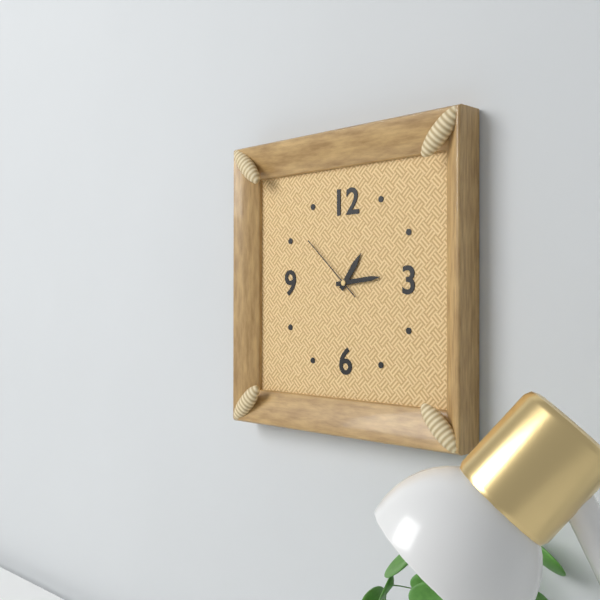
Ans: 1:14:52
